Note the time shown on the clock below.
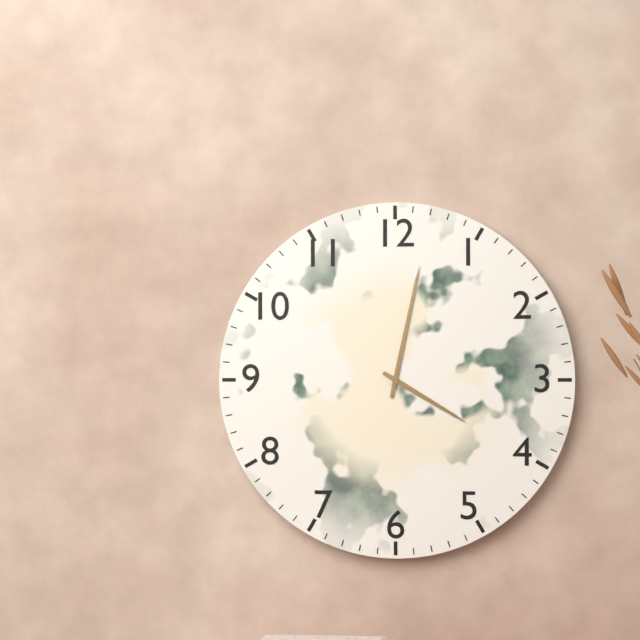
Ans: 4:02
